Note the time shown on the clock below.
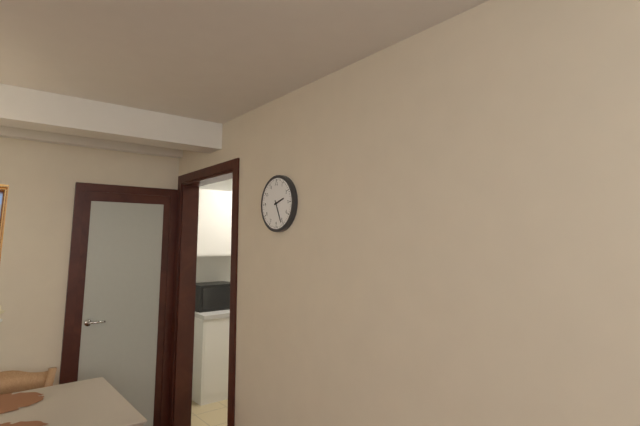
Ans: 2:26
